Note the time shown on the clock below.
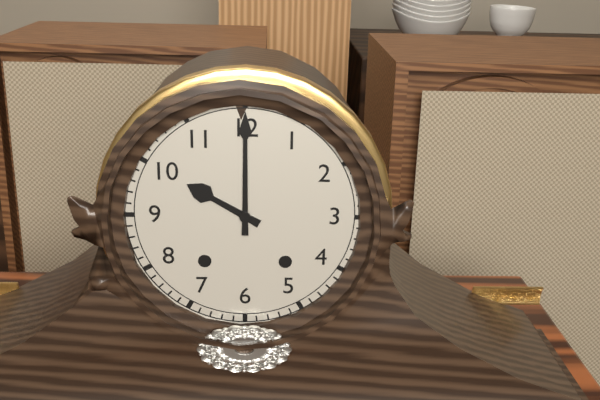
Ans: 10:00
